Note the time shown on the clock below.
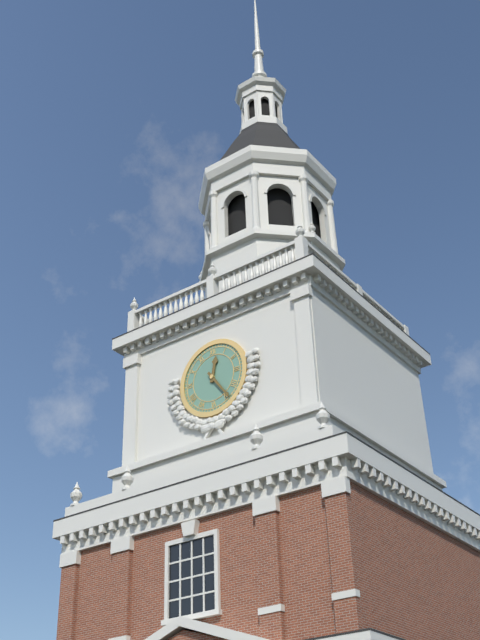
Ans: 12:24
